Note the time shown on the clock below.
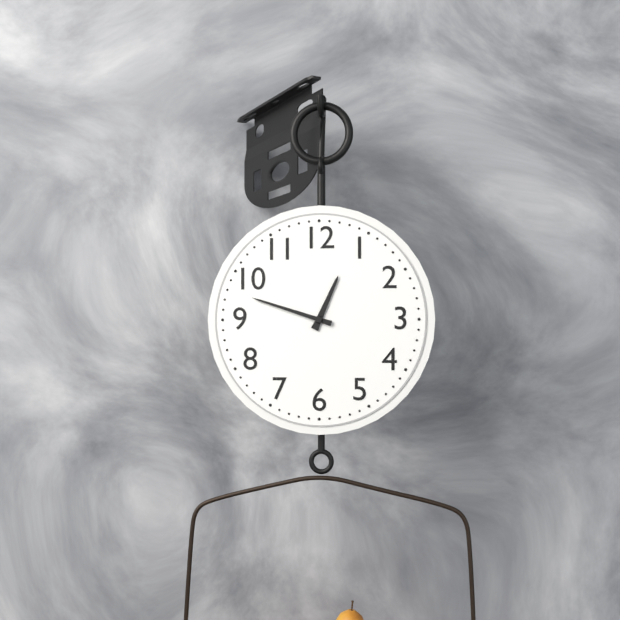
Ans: 12:48
